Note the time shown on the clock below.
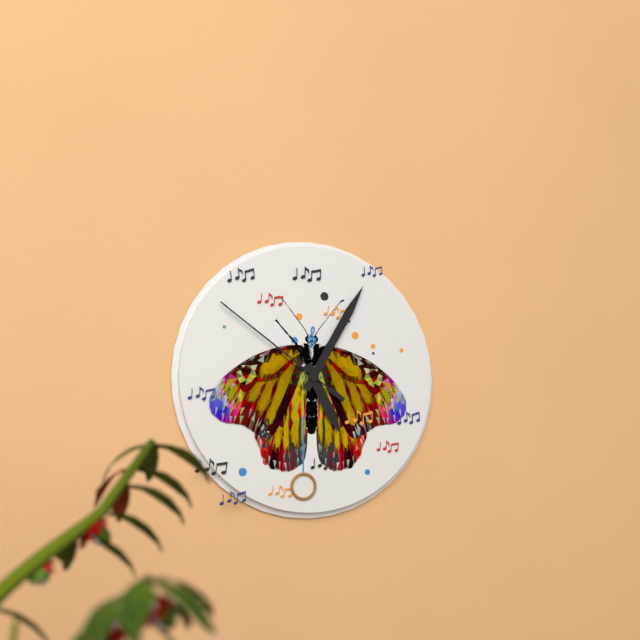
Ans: 5:05:51
